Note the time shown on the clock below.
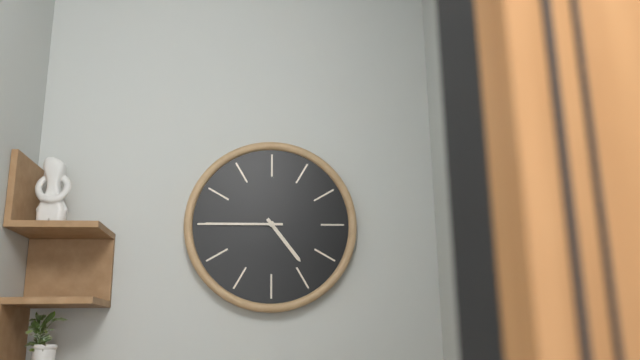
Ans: 4:45
